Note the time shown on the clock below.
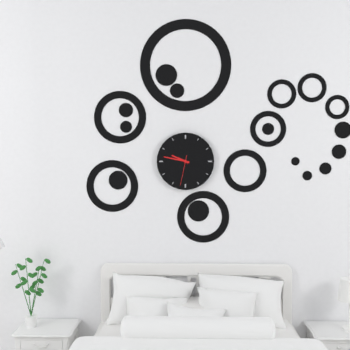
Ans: 9:47
